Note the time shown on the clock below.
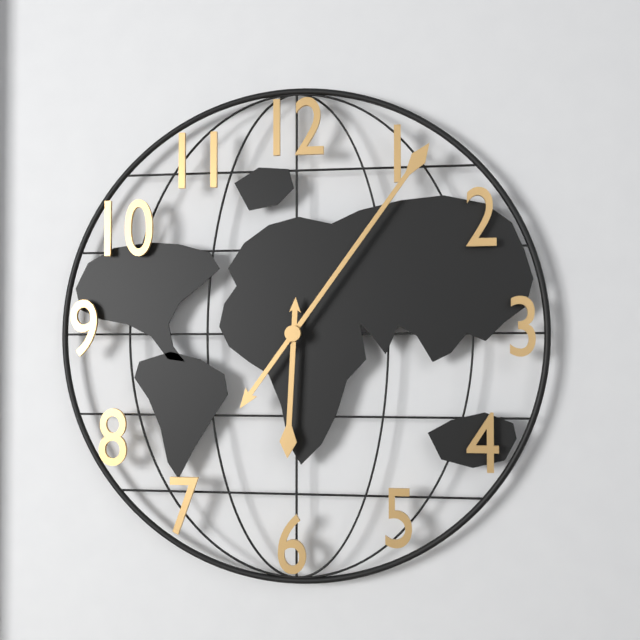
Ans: 6:06
